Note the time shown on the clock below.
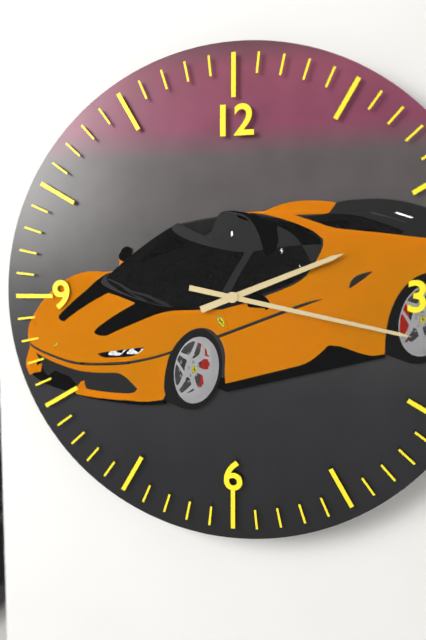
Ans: 2:17
